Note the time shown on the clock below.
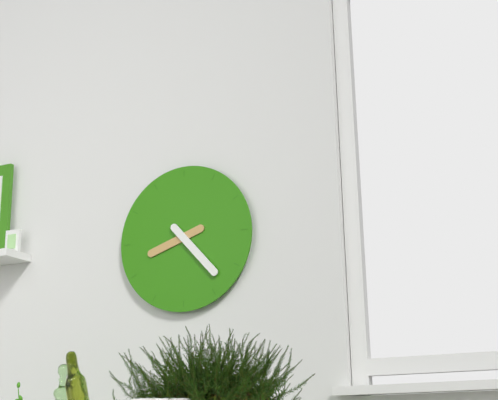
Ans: 8:23
